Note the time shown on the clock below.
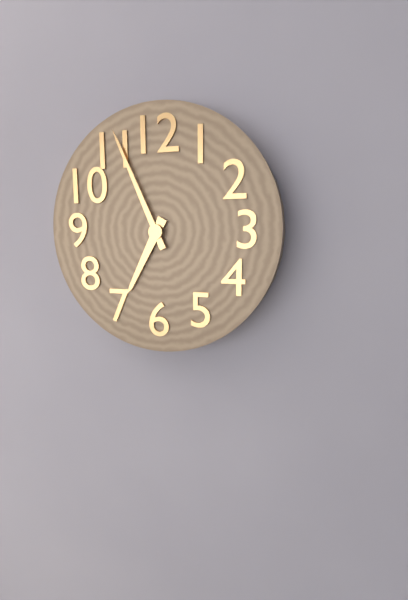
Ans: 6:56
